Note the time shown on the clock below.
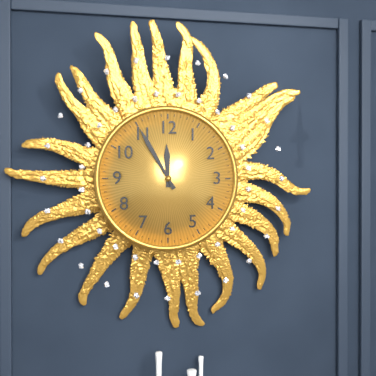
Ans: 11:55
